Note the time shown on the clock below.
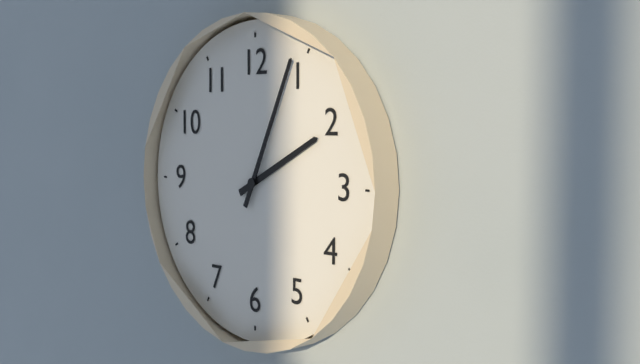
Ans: 2:04
